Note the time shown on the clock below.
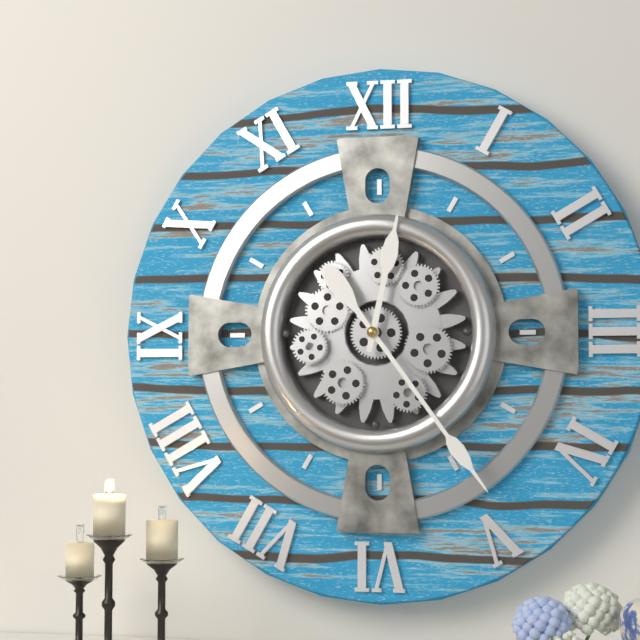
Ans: 12:24
